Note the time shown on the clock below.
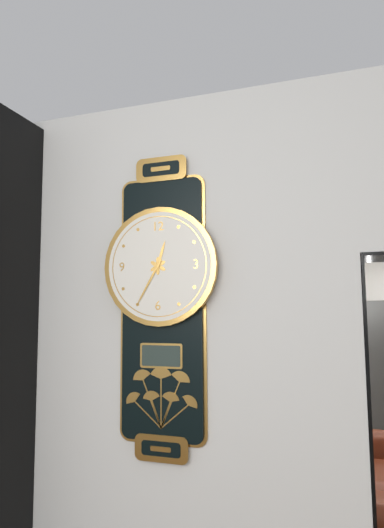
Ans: 12:35
